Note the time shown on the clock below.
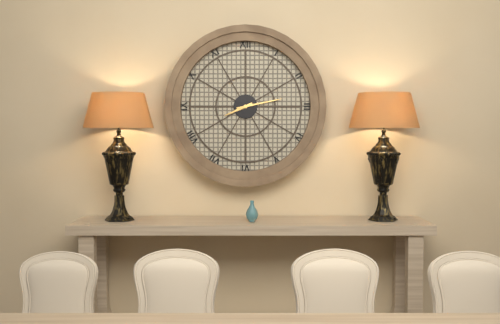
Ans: 8:13
